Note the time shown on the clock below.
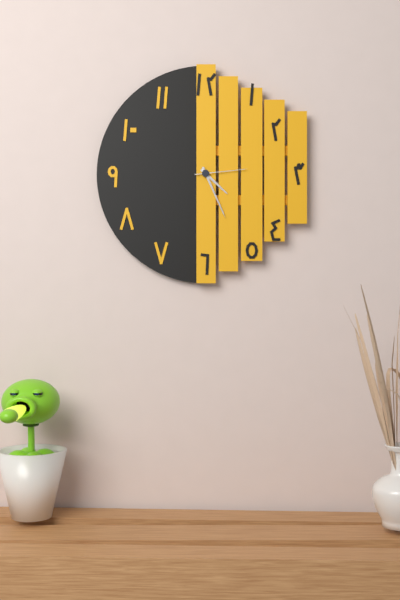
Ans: 4:26:14
